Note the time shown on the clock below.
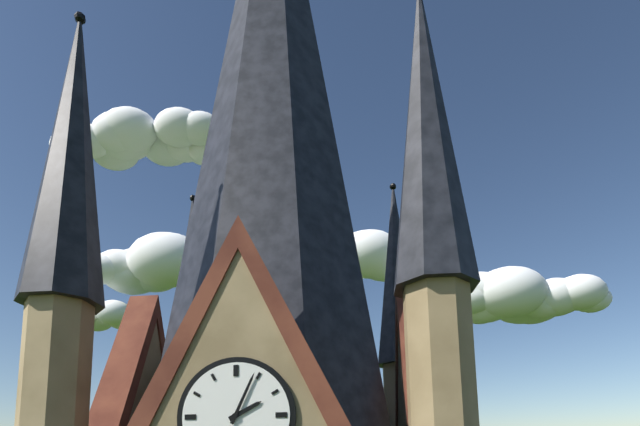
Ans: 2:04
